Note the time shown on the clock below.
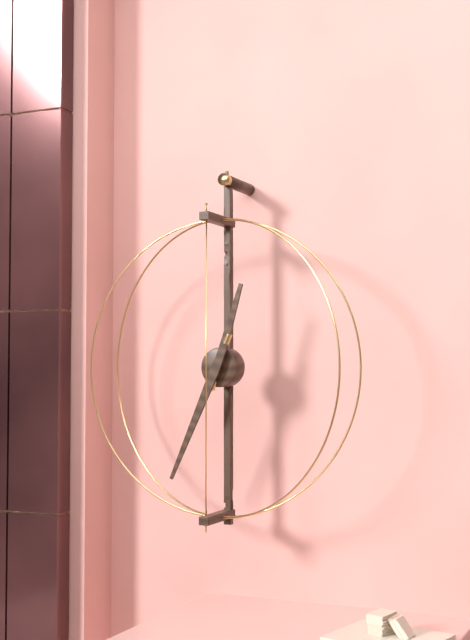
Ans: 12:34
